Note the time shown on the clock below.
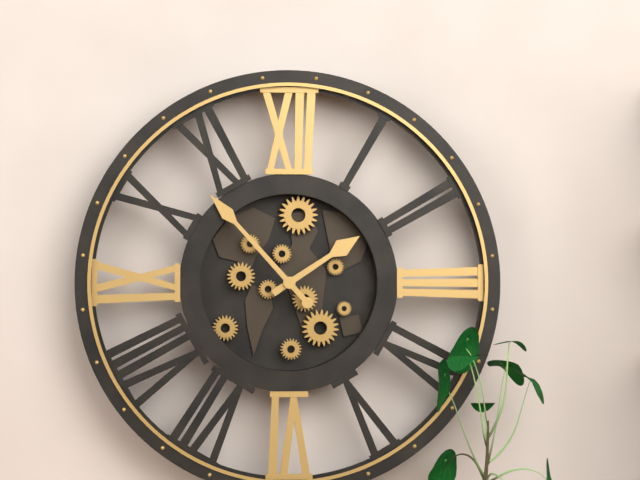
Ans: 1:53
